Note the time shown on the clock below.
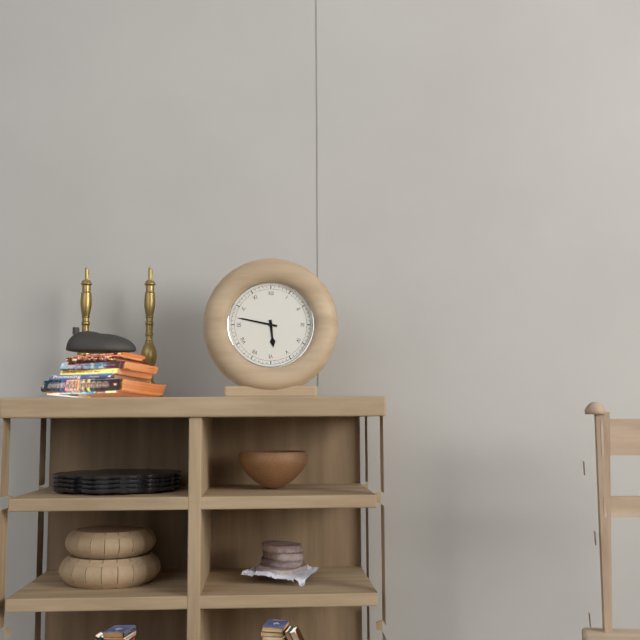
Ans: 5:47
